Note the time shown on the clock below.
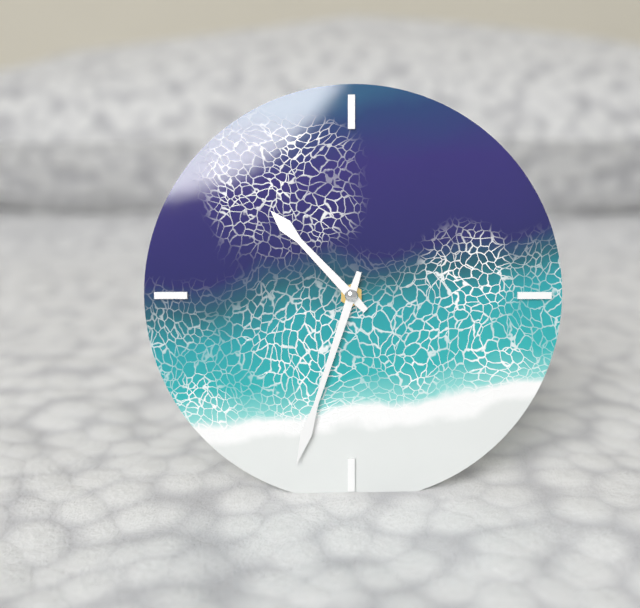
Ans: 10:33
